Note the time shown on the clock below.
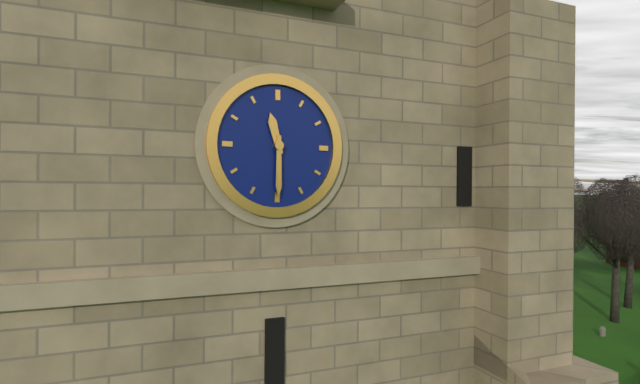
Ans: 11:30
